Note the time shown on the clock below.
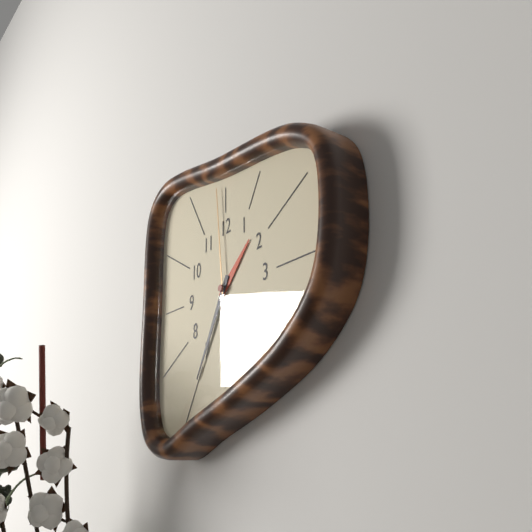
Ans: 1:35:59
